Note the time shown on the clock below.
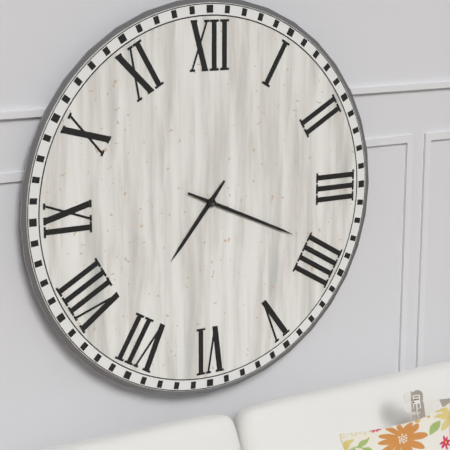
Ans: 7:19
